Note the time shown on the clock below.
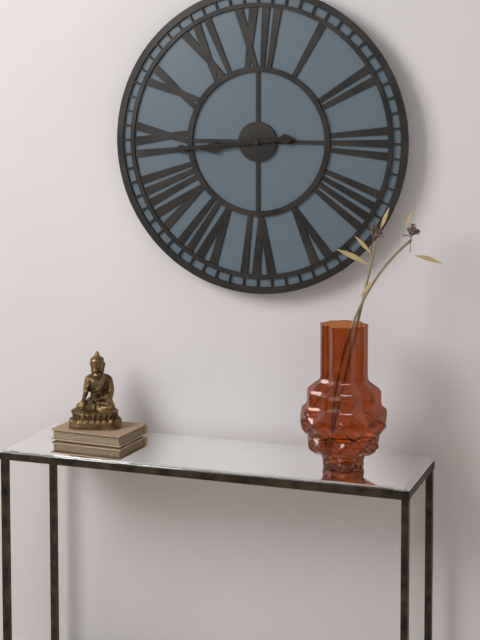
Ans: 8:44
